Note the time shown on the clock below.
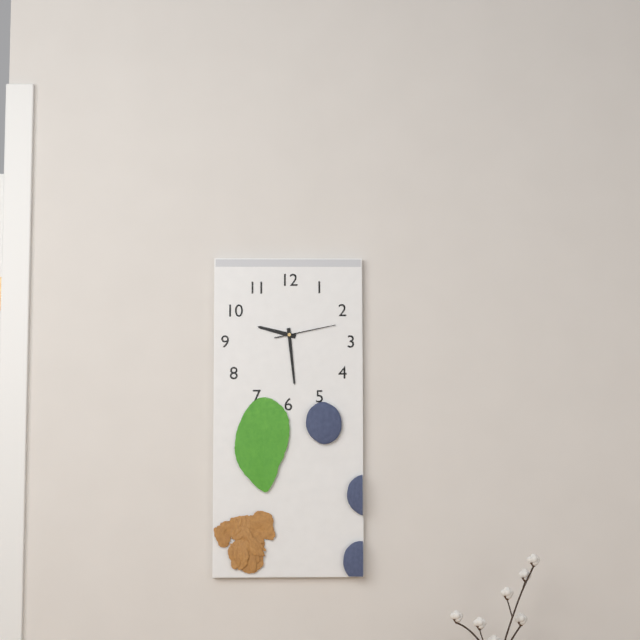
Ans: 9:29:13
